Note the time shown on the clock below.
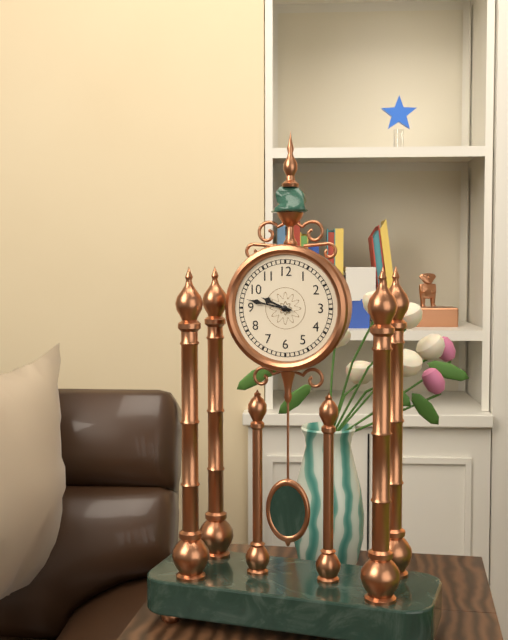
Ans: 9:47
